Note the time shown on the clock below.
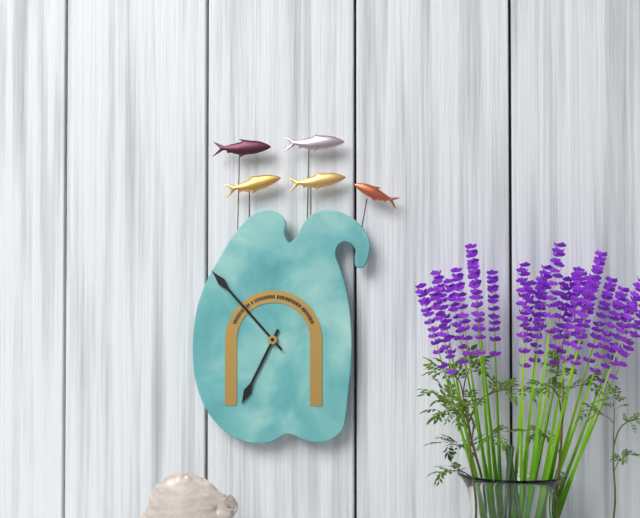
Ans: 6:53
